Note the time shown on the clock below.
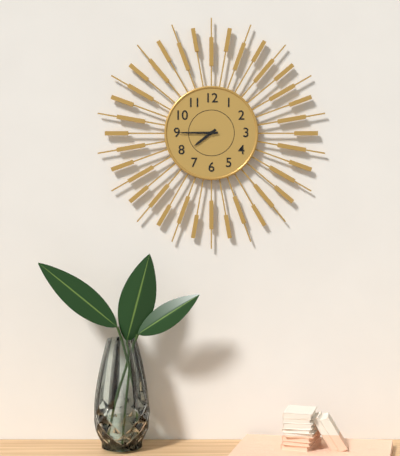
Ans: 7:45
